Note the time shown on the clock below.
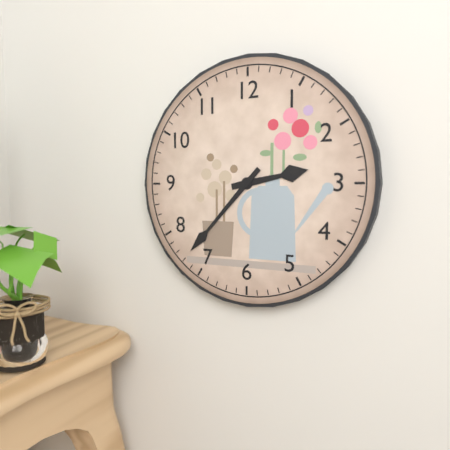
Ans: 2:37
